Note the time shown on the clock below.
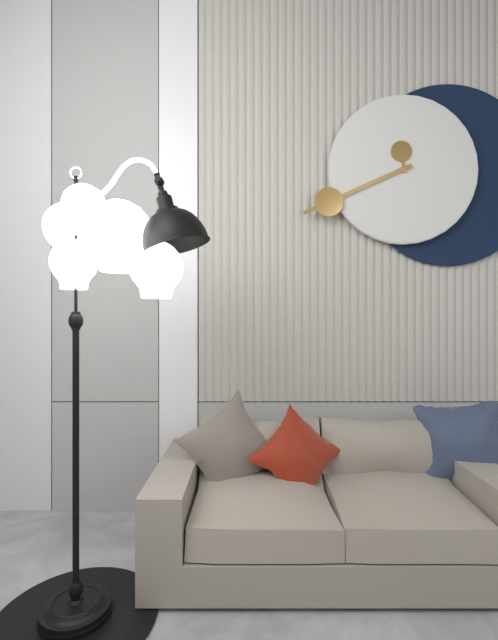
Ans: 11:41
